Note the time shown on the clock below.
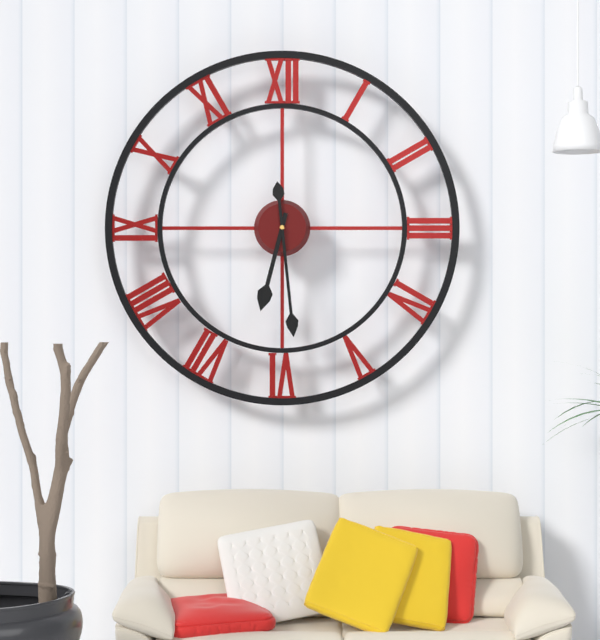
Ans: 6:29
